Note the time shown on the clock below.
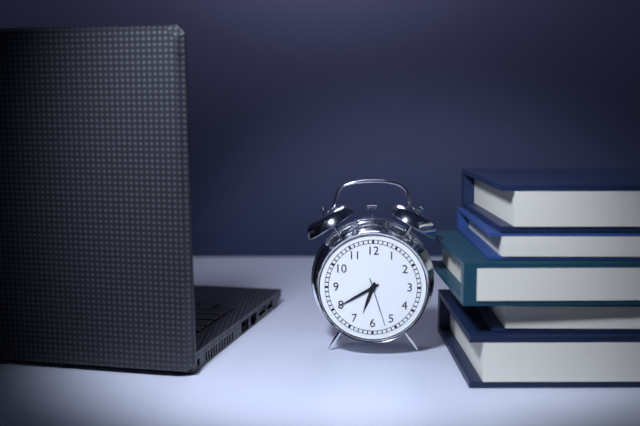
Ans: 6:40:27
